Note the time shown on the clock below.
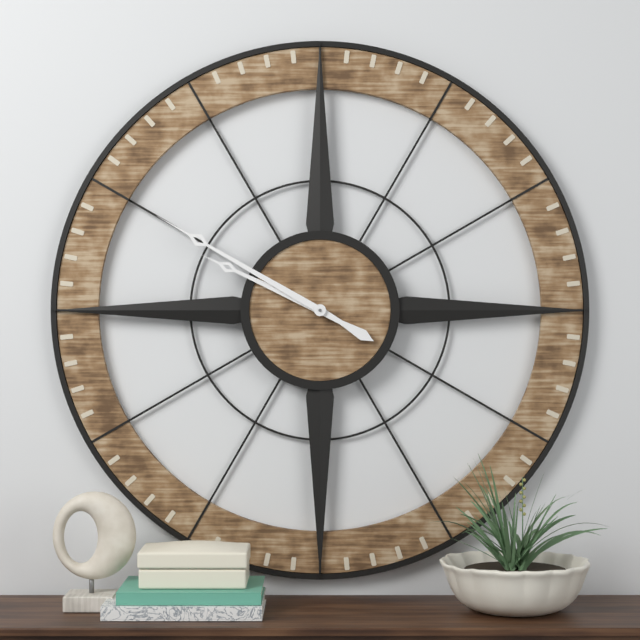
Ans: 9:50
